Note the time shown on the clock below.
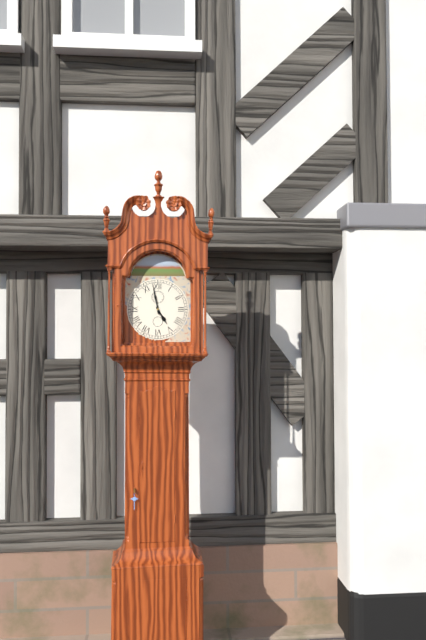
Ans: 4:58
